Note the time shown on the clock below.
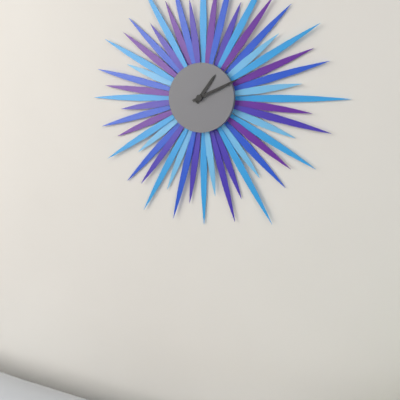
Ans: 1:11
